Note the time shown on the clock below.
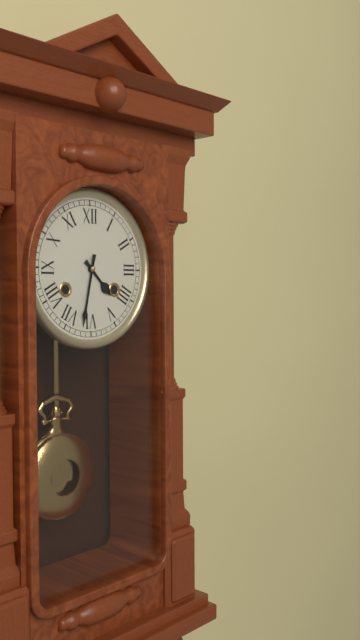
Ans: 4:32
